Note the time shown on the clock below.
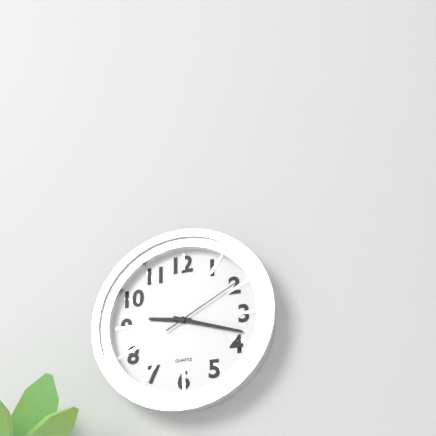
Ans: 9:18:10
